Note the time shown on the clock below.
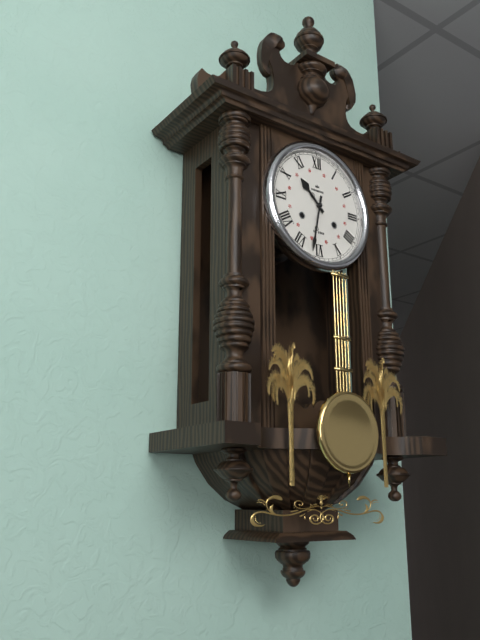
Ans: 10:32
